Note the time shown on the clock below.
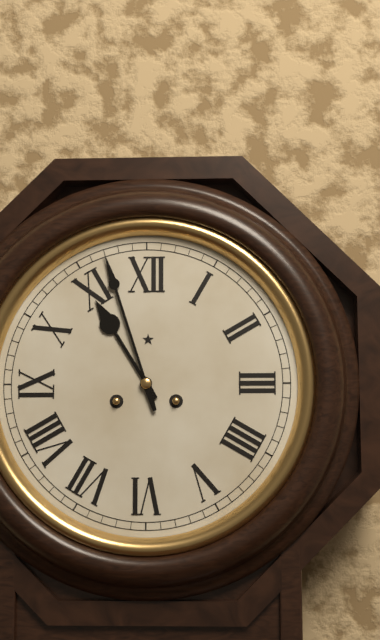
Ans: 10:57
